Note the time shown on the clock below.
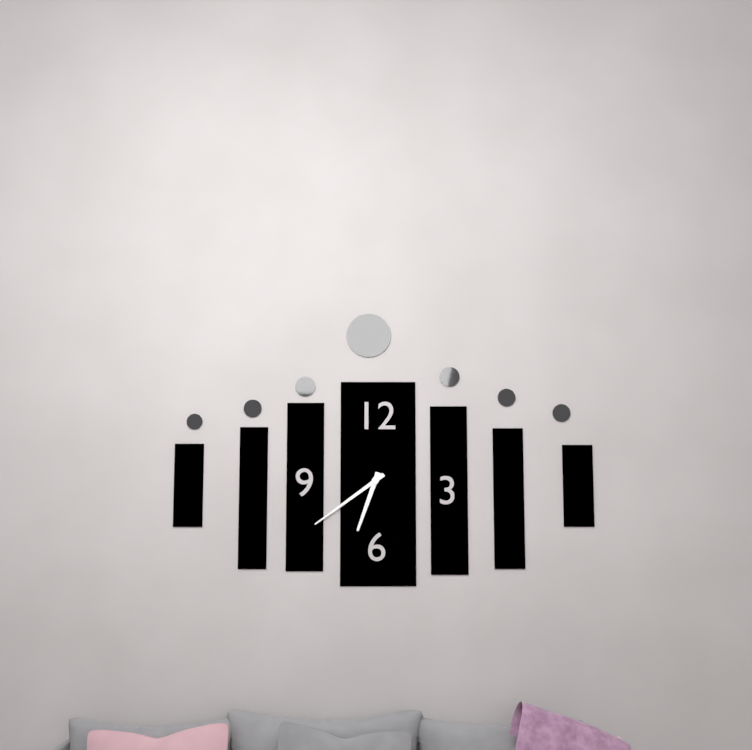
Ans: 6:39
